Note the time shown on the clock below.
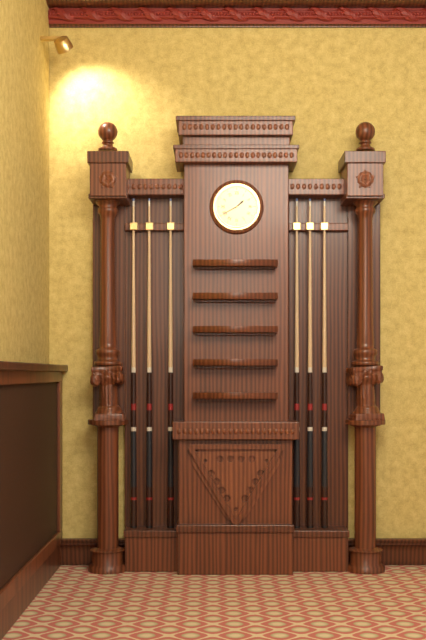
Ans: 1:40
